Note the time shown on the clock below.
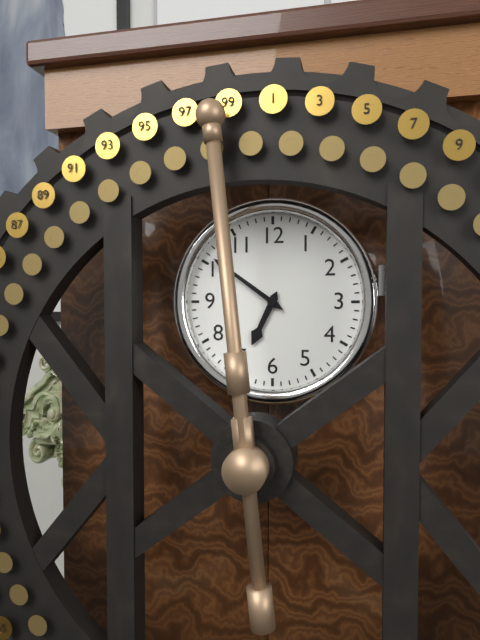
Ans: 6:51
